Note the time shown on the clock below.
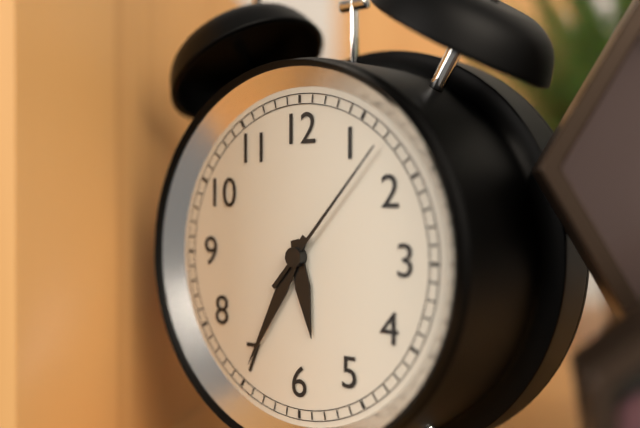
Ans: 5:35:07
